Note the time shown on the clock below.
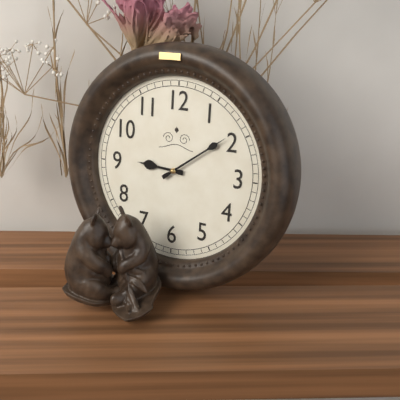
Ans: 9:09
